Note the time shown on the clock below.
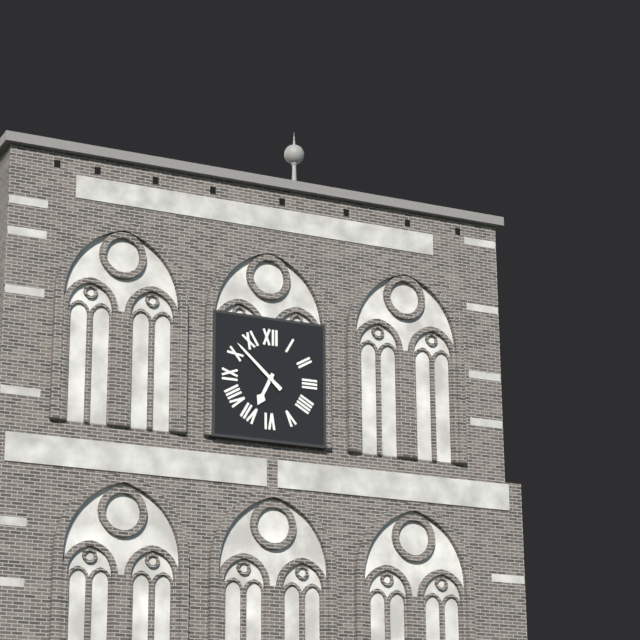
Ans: 6:52
